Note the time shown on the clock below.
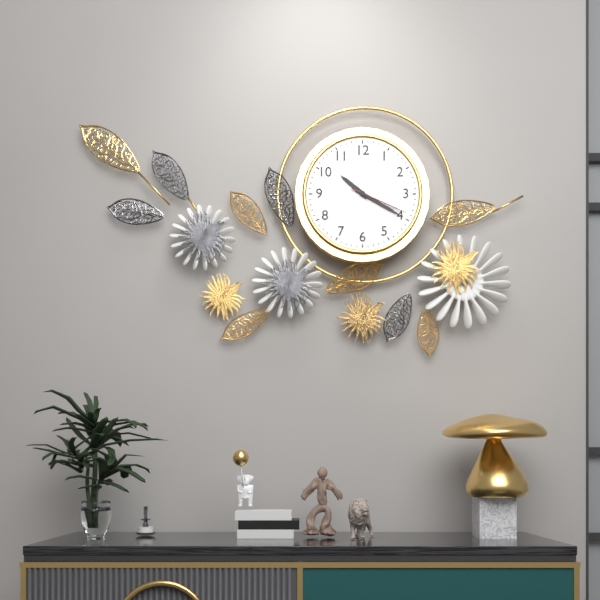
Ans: 10:20:19
